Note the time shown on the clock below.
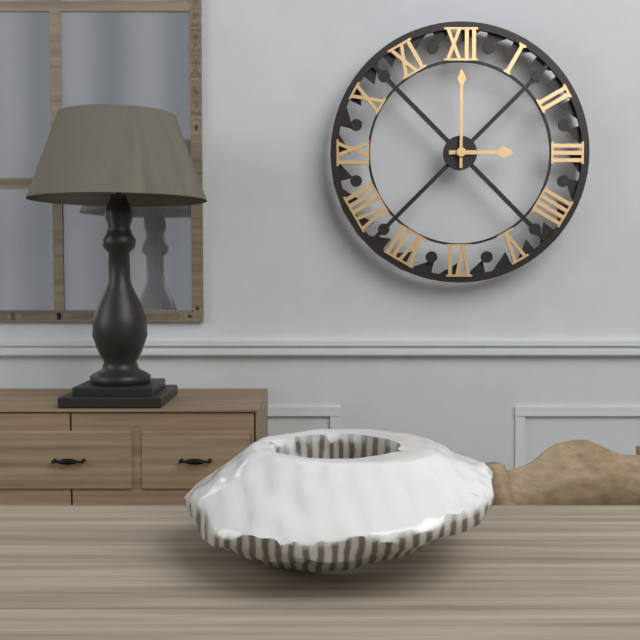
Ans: 3:00
